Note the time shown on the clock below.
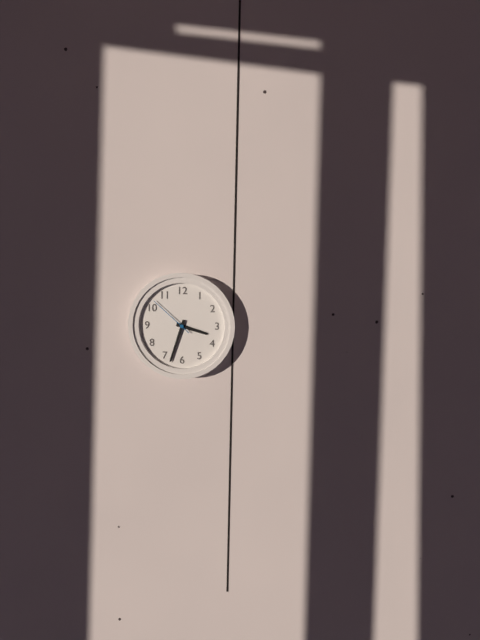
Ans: 3:33
